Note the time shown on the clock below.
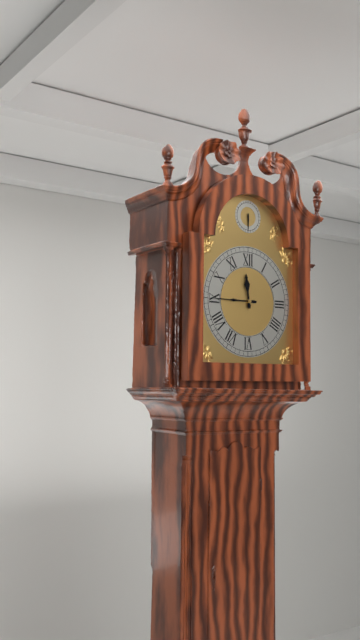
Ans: 11:45
